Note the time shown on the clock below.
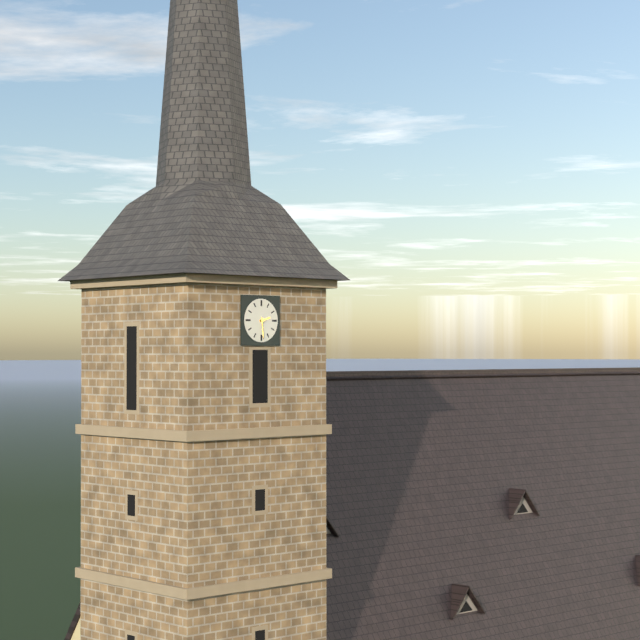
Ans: 2:29
